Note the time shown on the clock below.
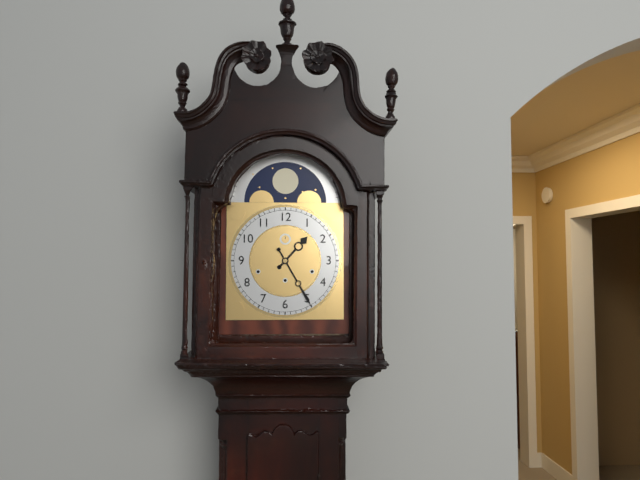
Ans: 1:25
